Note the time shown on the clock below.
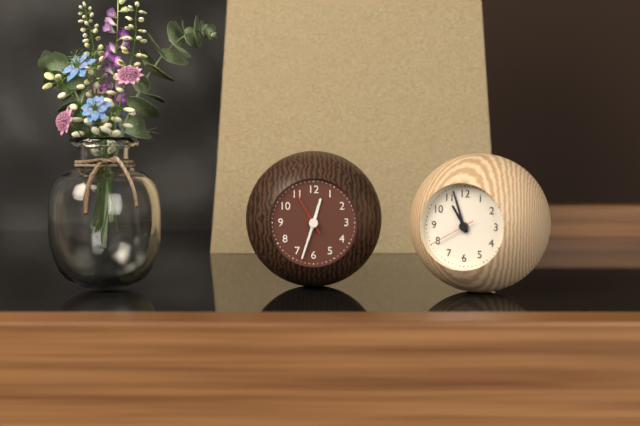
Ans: 12:33
